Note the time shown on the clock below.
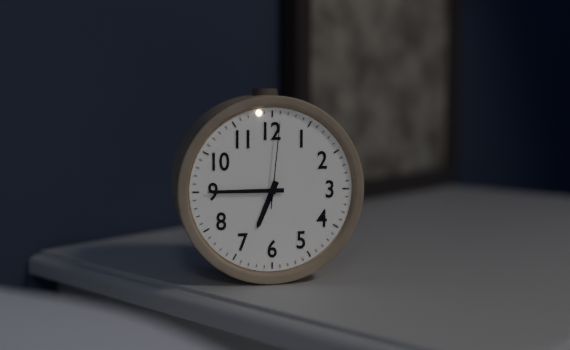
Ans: 6:45:01
